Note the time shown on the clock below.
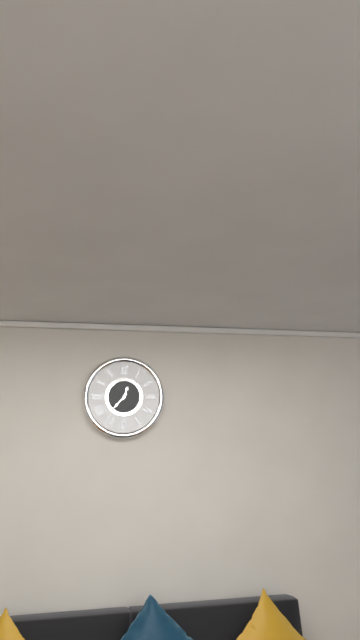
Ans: 12:37
